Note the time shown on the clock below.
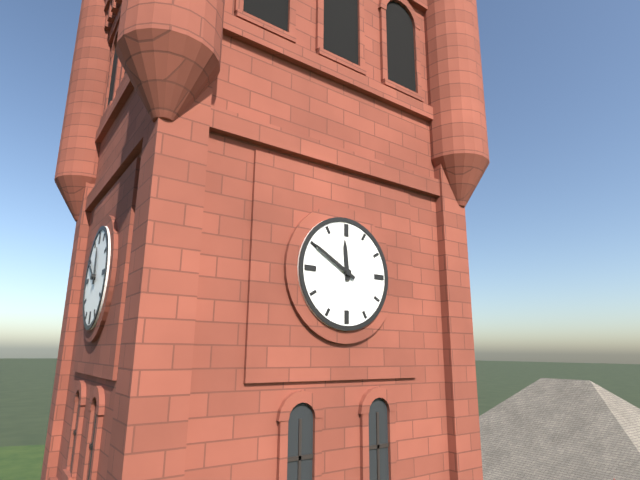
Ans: 11:50
